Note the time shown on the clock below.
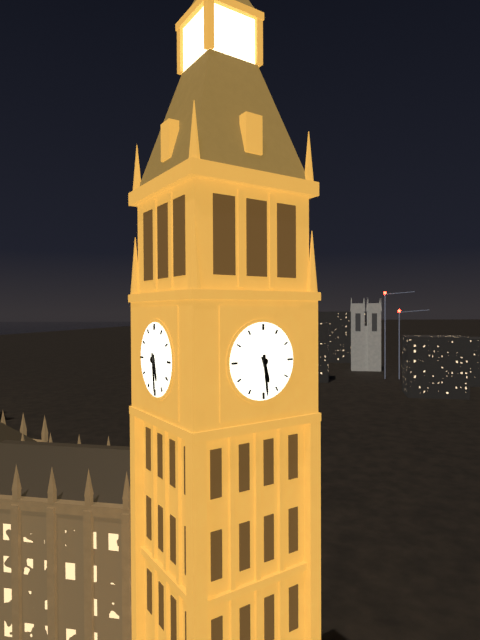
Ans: 5:29
